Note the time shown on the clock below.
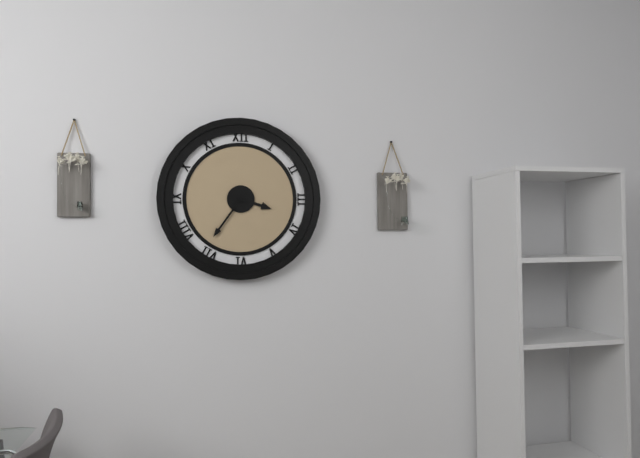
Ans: 3:36
